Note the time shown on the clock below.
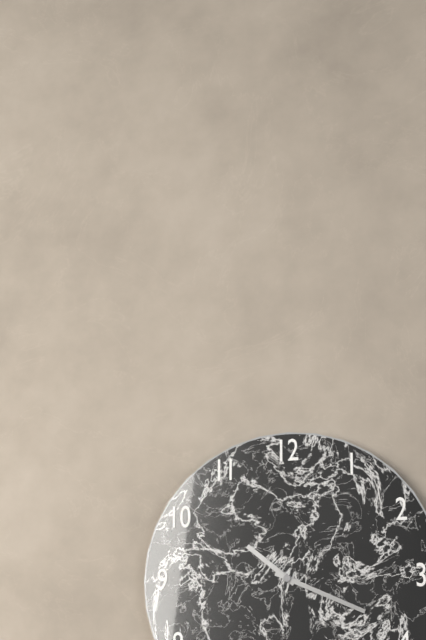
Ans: 10:19
